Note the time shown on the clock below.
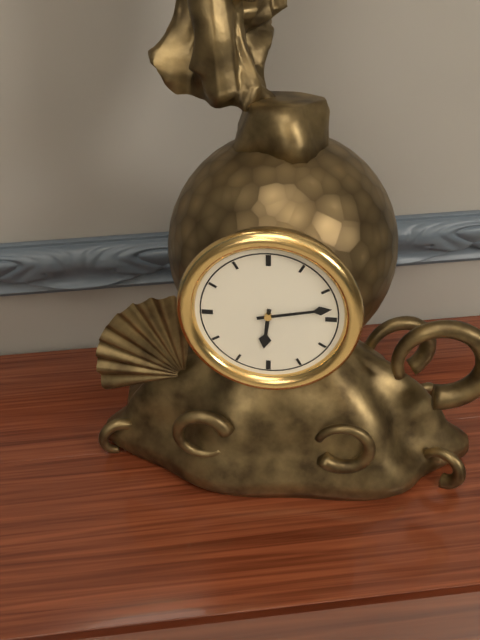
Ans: 6:13
